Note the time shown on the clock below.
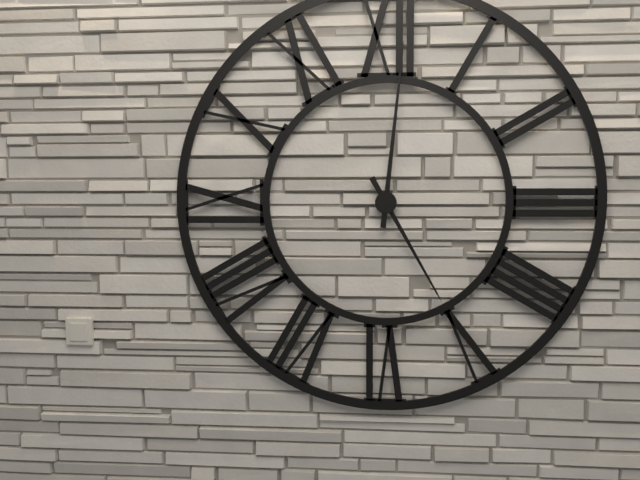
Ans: 5:01
